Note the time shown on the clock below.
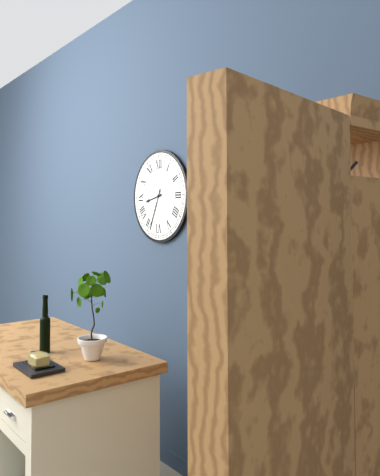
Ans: 8:34
